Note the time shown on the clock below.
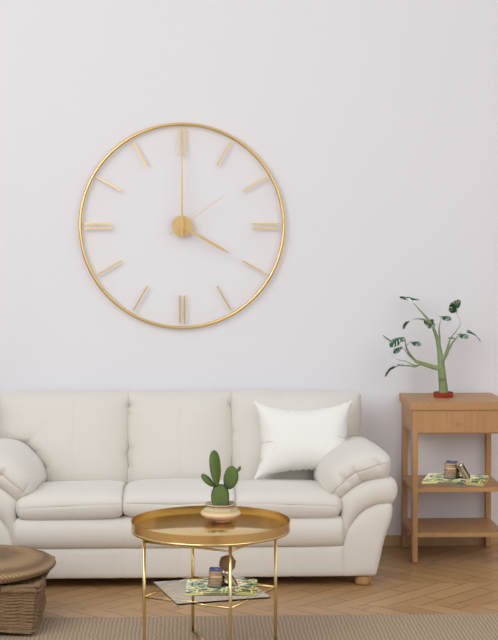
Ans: 4:00:09
